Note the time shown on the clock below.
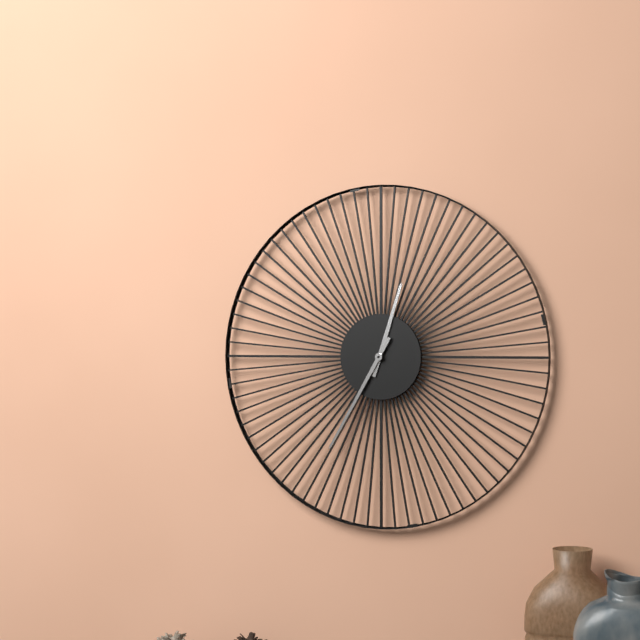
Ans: 12:35
